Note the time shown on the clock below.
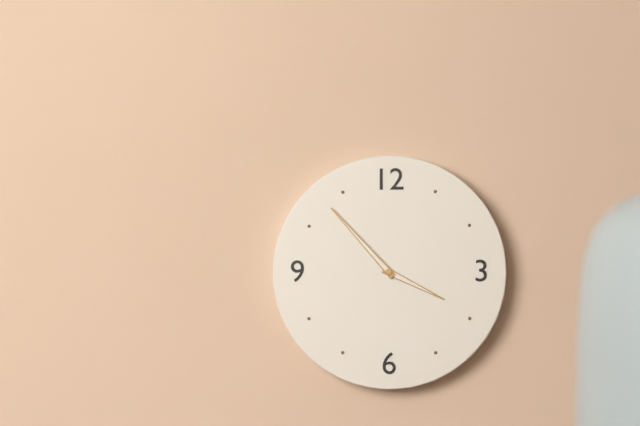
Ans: 3:53
